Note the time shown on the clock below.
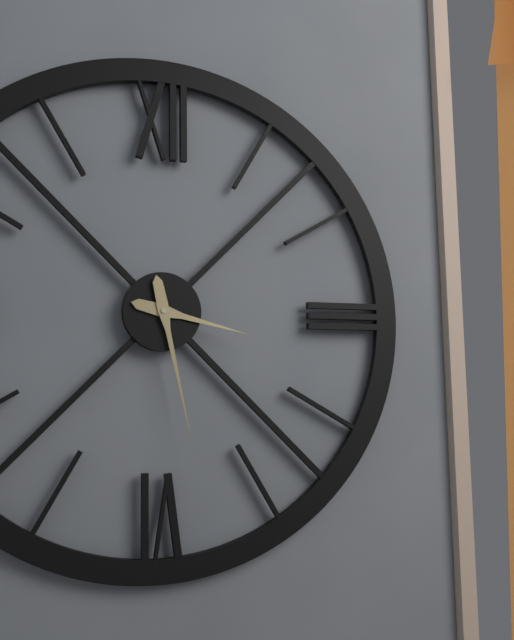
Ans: 3:28
